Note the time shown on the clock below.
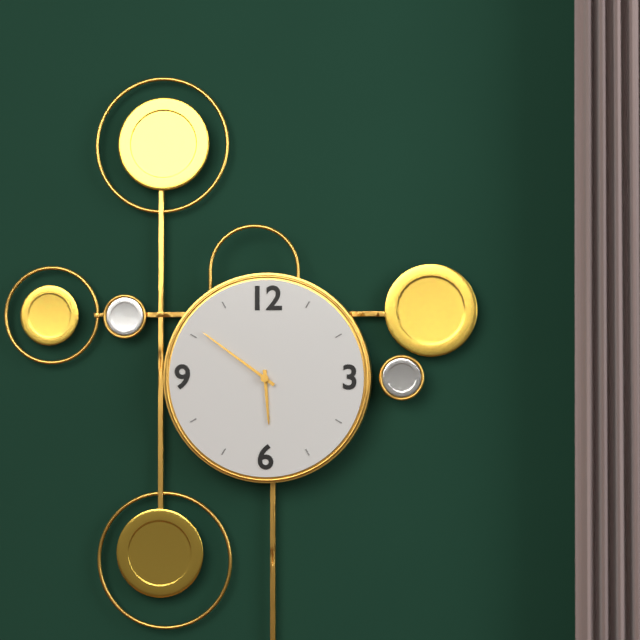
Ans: 5:51
